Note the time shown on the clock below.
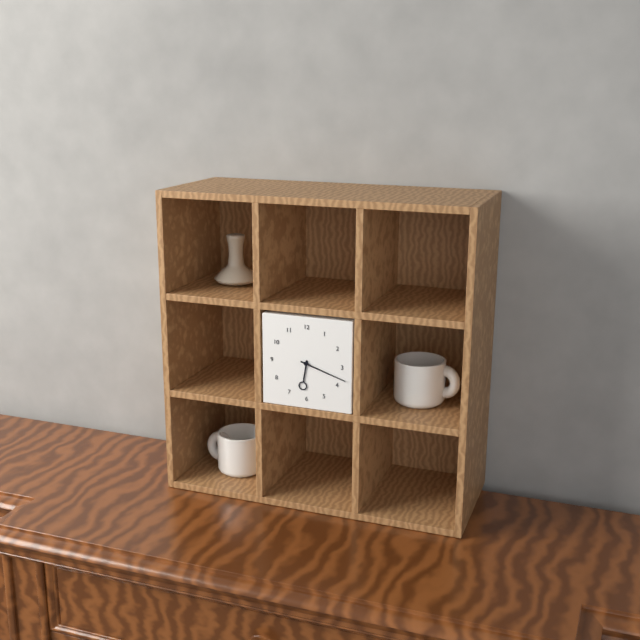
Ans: 6:18
